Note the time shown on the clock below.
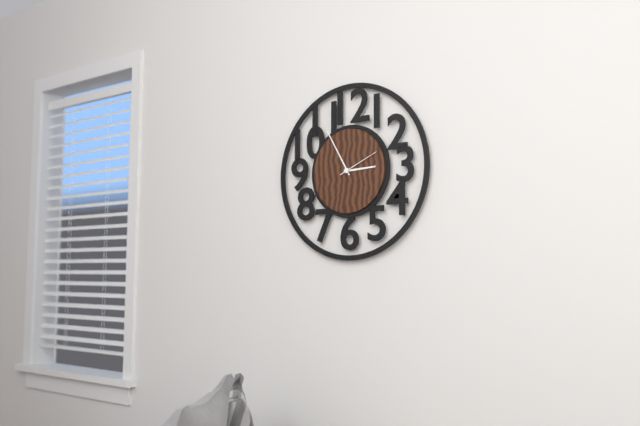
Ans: 2:55
